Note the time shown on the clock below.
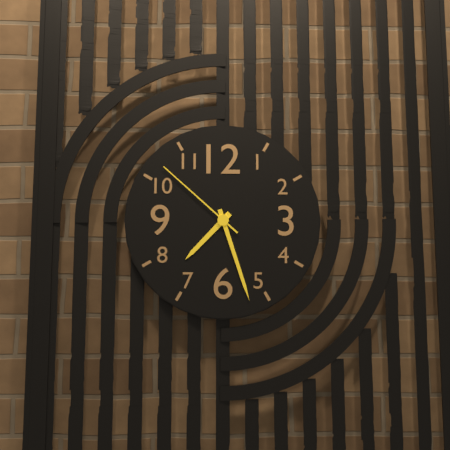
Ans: 7:27:52
